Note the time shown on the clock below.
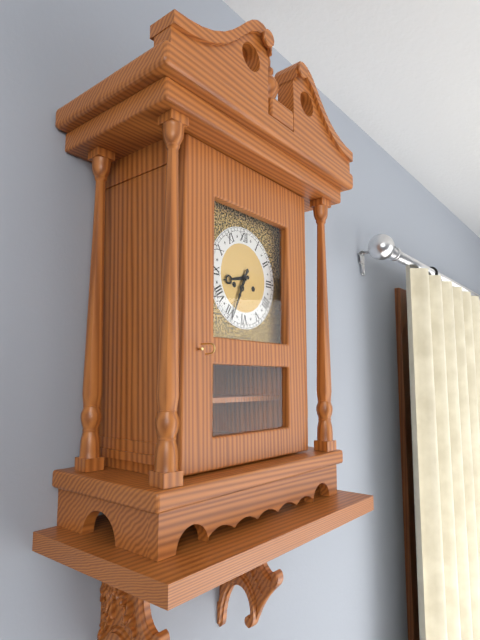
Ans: 8:34
